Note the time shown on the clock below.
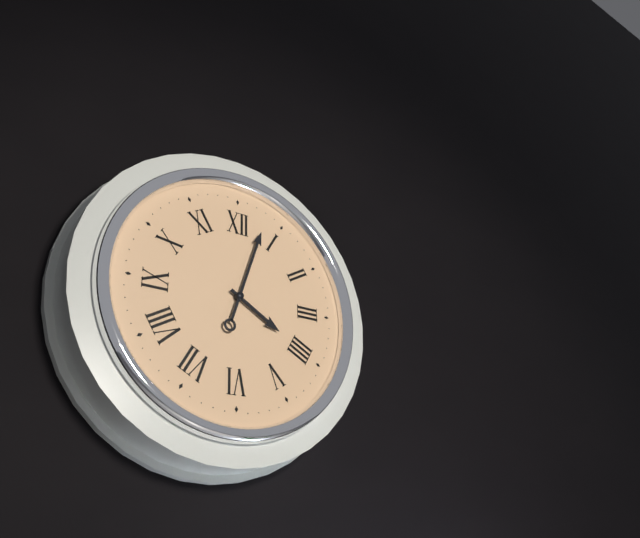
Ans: 4:03
